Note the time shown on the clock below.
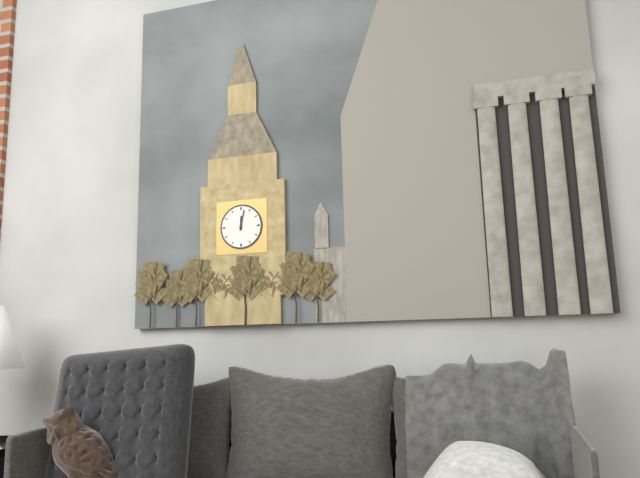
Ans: 12:02
